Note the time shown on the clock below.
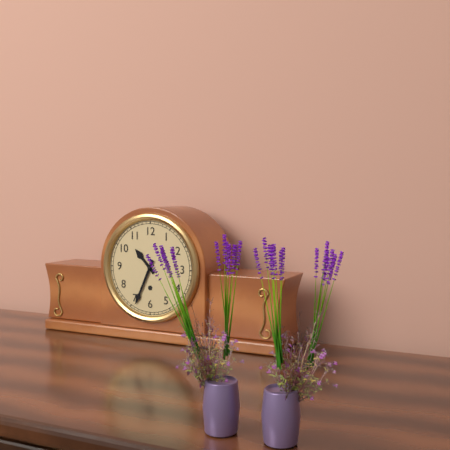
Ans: 10:34
